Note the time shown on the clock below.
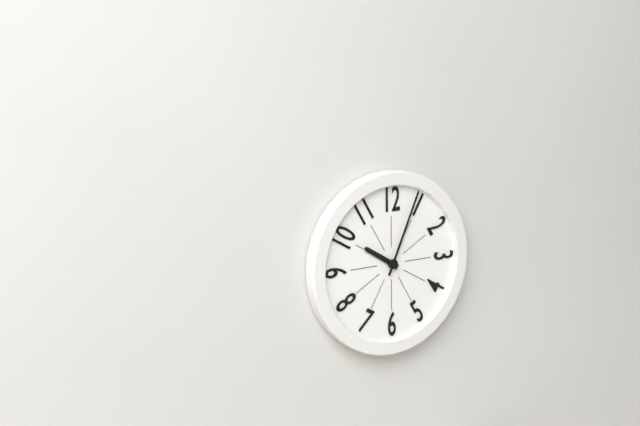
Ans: 10:04
